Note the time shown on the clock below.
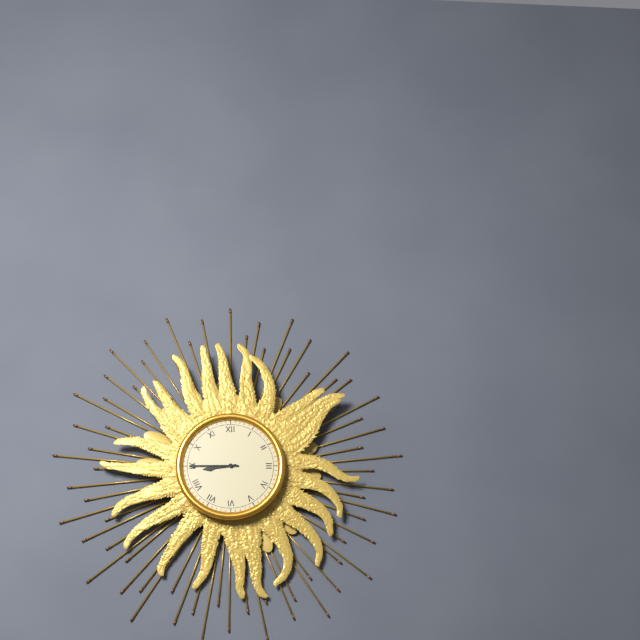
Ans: 8:45
